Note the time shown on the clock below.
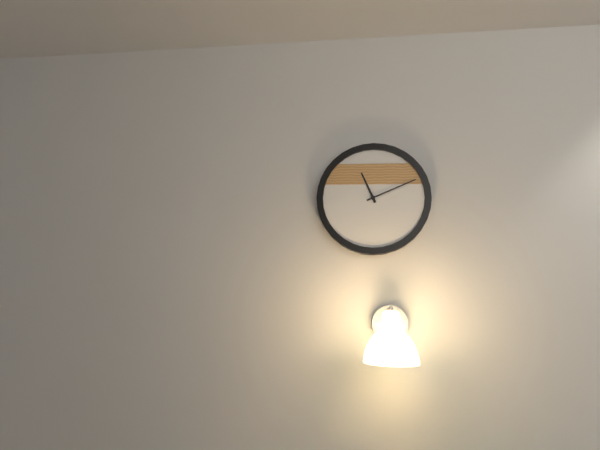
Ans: 11:11
